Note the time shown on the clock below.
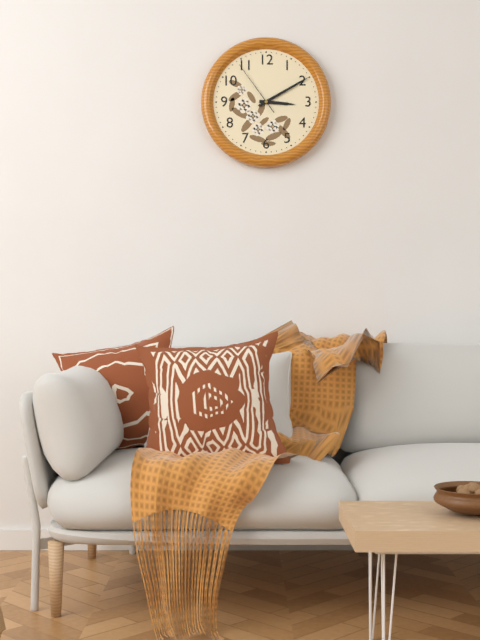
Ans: 3:10:54
